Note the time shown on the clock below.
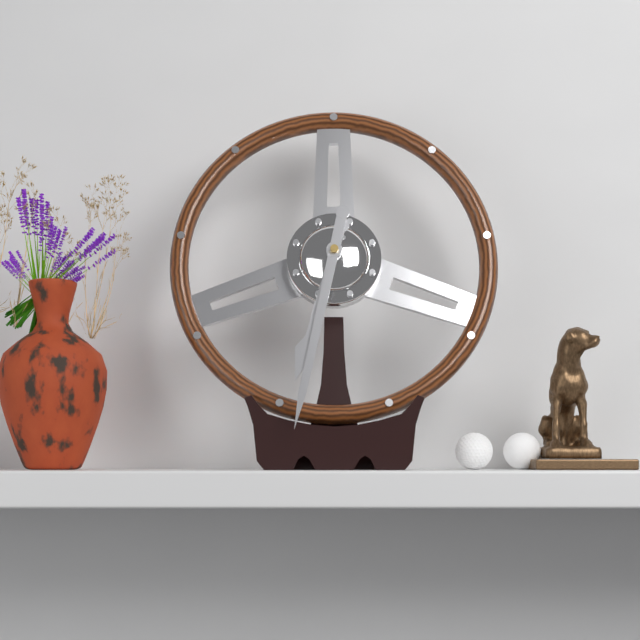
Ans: 6:32
